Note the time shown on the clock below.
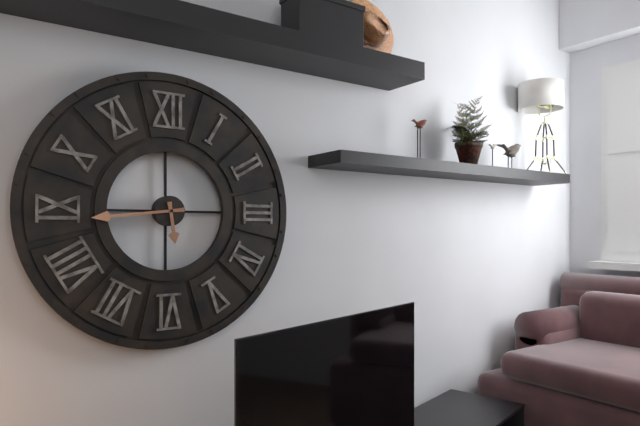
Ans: 5:44
